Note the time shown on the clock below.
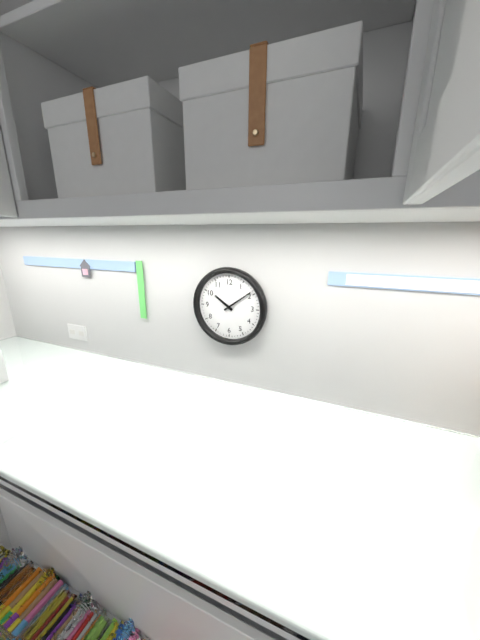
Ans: 10:09
